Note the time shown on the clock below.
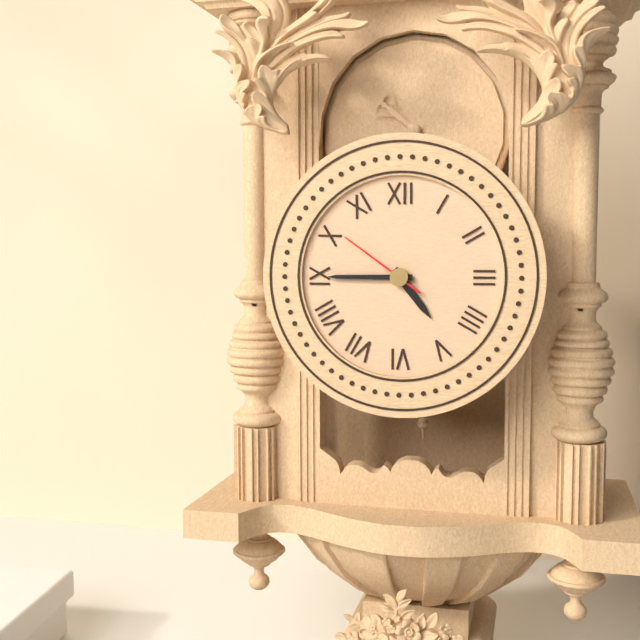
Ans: 4:45:51
